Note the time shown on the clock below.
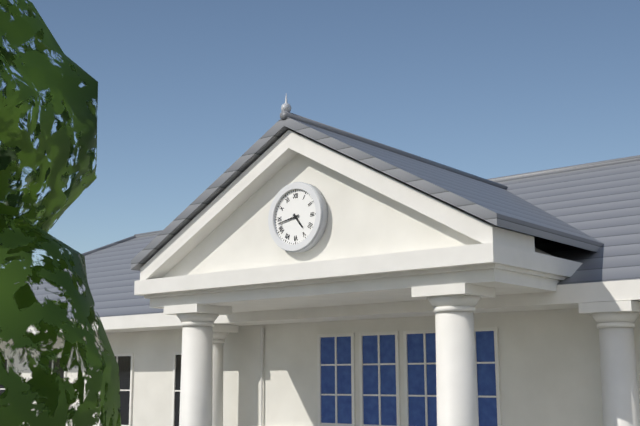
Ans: 4:43
